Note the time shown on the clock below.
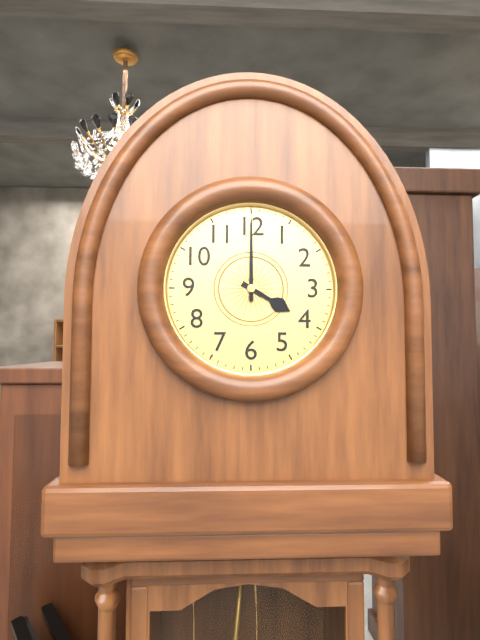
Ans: 4:00
